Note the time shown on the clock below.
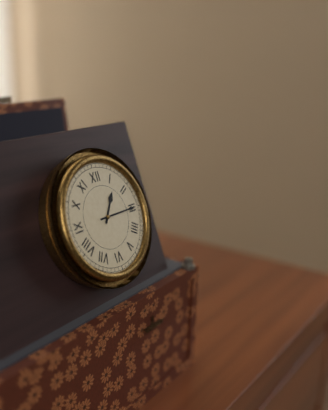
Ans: 1:15
